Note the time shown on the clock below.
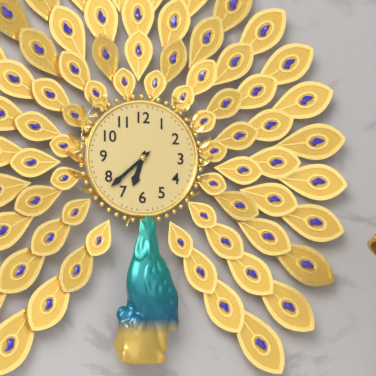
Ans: 6:38
